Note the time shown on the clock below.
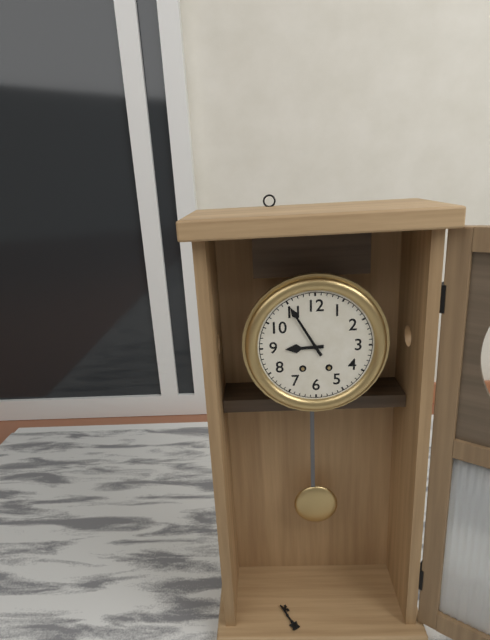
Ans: 8:55
